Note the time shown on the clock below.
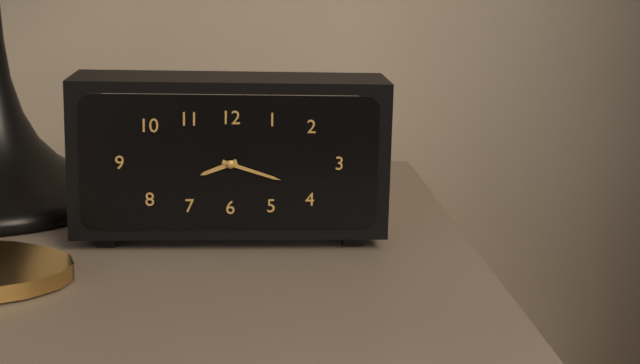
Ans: 8:18
